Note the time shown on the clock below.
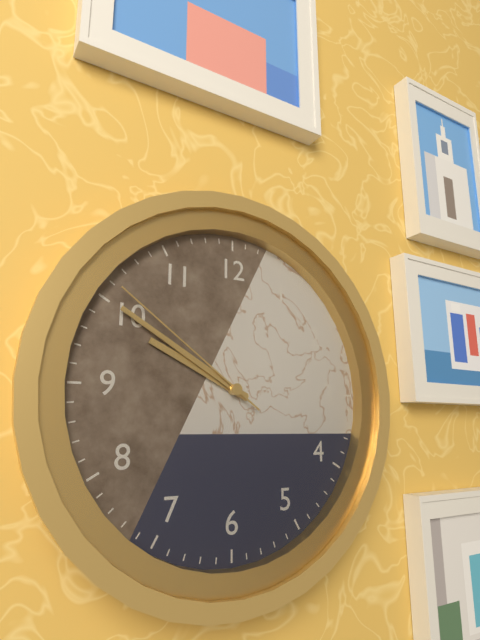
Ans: 9:50:51
